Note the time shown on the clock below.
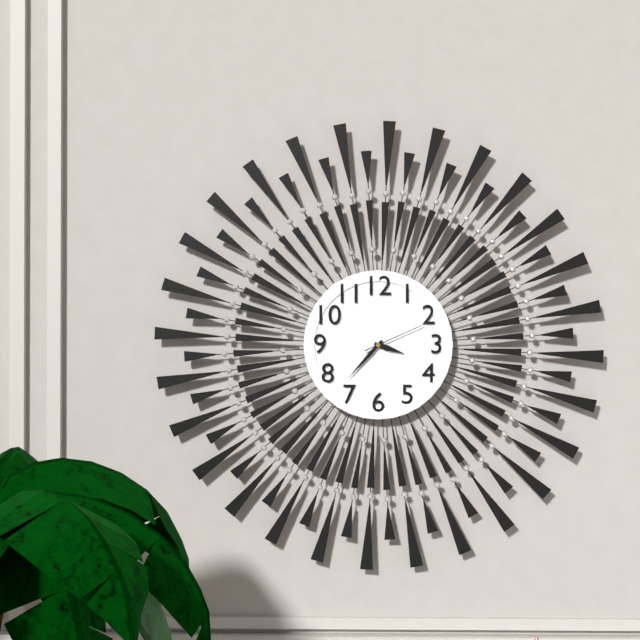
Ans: 3:37:11
